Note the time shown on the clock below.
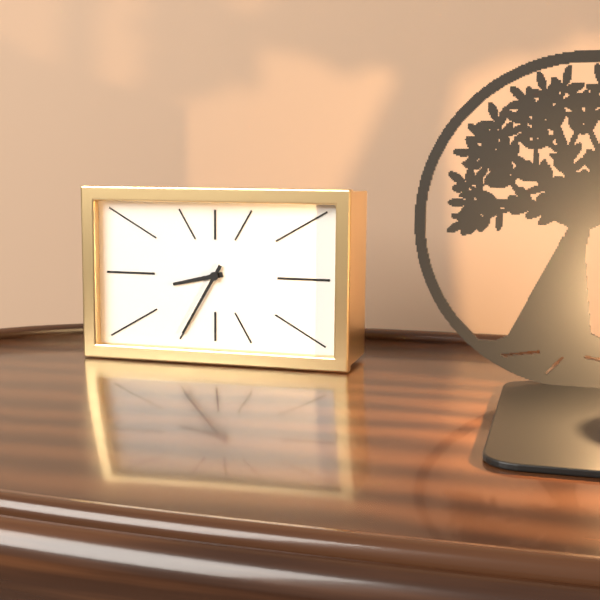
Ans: 8:35
